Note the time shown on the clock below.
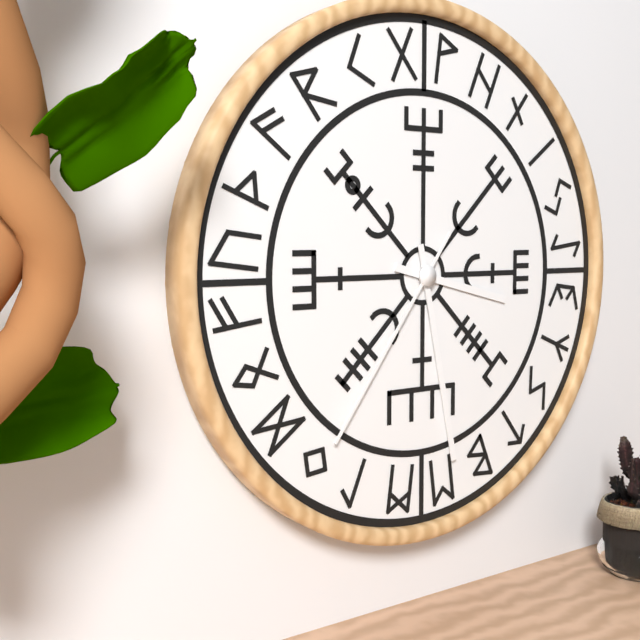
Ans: 3:28:36
